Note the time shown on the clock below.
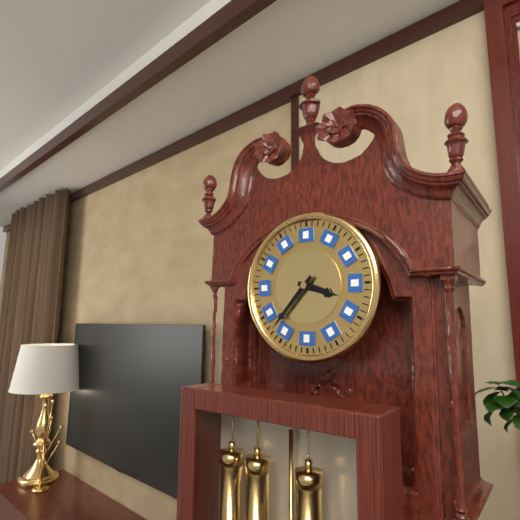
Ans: 3:37
